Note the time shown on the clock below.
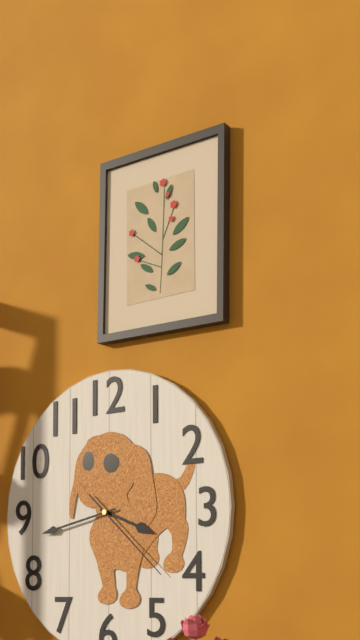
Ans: 3:43:22
